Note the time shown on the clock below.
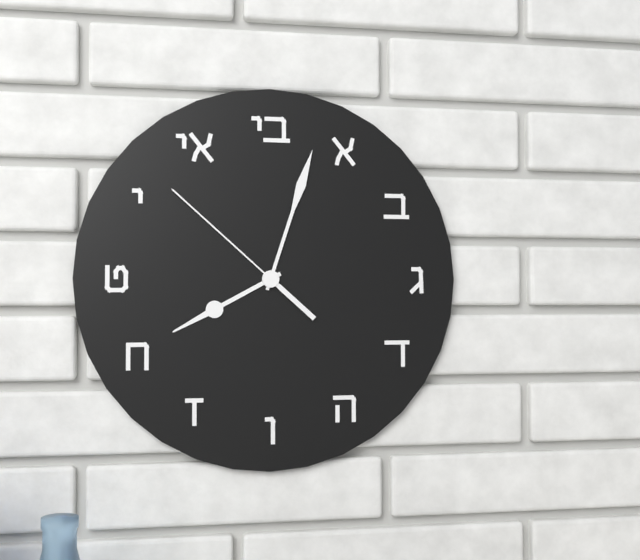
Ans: 8:03:52
